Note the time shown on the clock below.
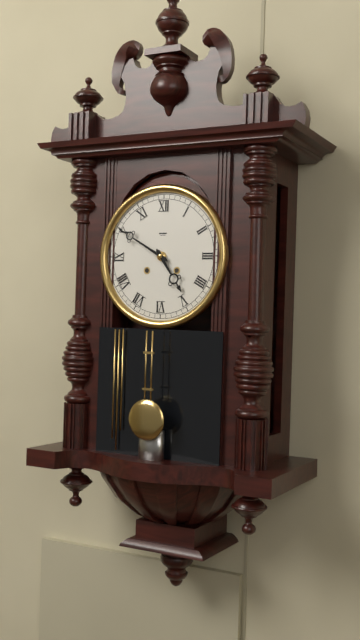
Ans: 4:50
